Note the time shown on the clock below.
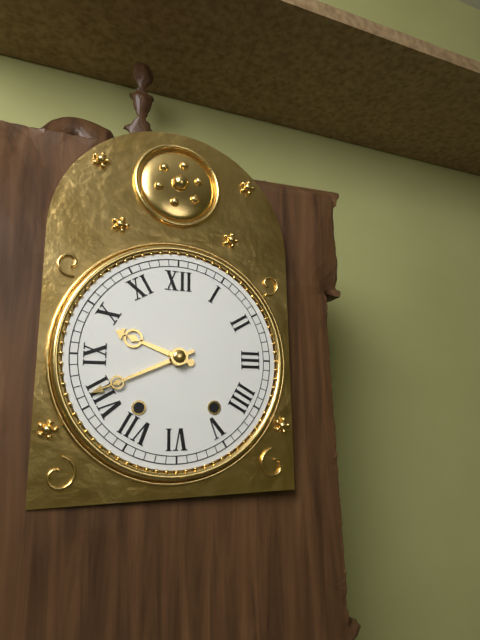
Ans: 9:41
